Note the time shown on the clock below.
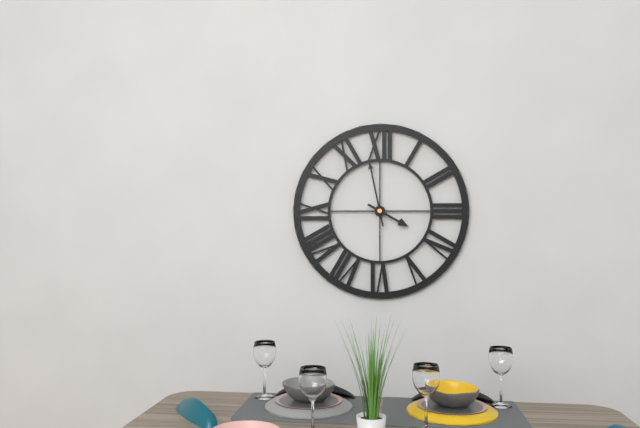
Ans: 3:58
